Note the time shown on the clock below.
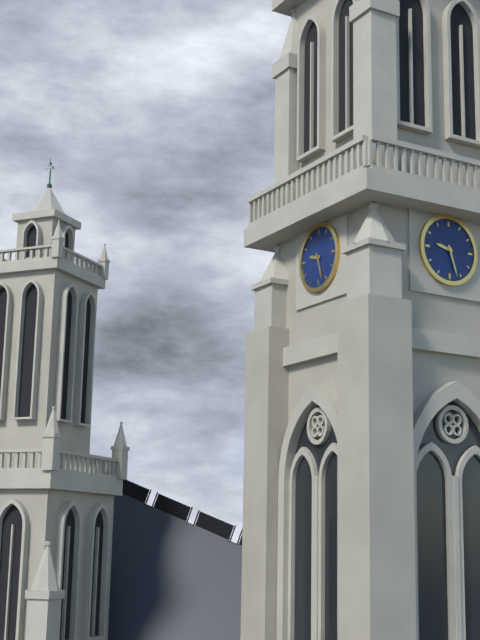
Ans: 9:27
